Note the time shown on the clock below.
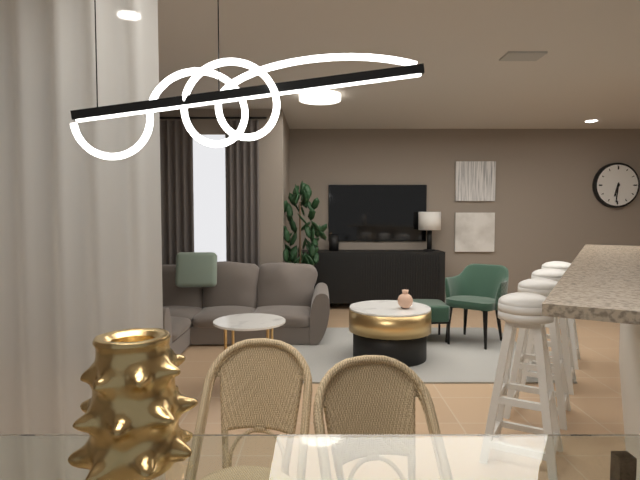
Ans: 6:31
